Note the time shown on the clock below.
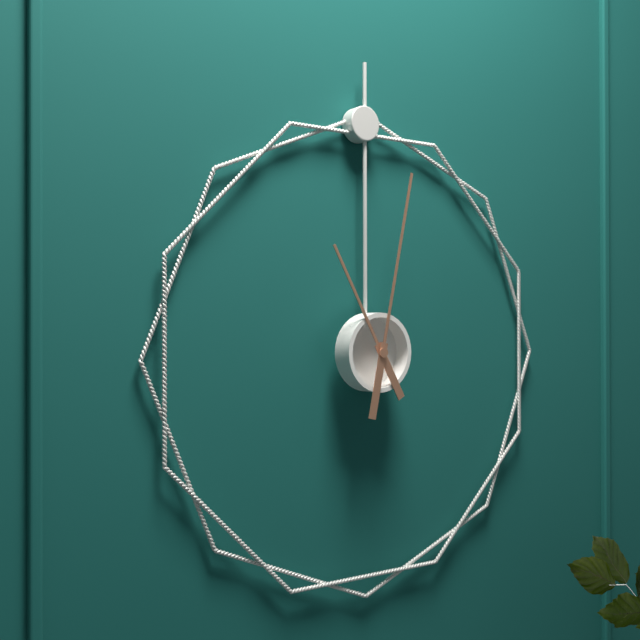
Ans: 11:02
